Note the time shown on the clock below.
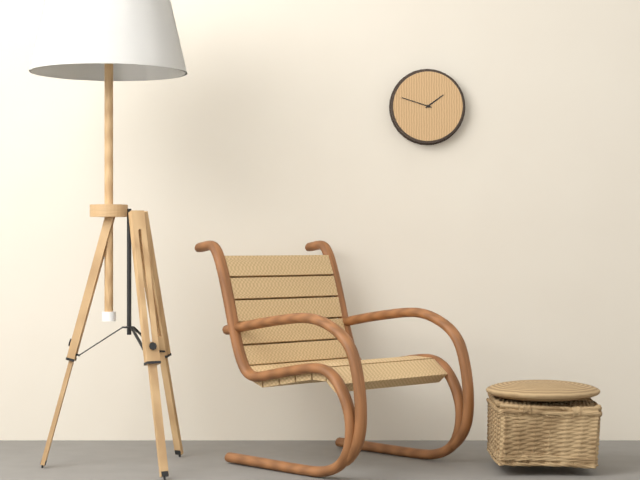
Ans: 1:48
